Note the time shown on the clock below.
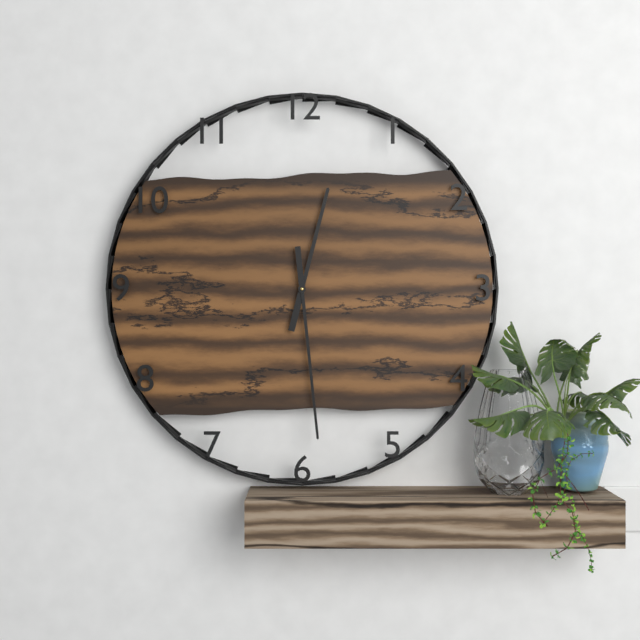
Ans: 12:29
